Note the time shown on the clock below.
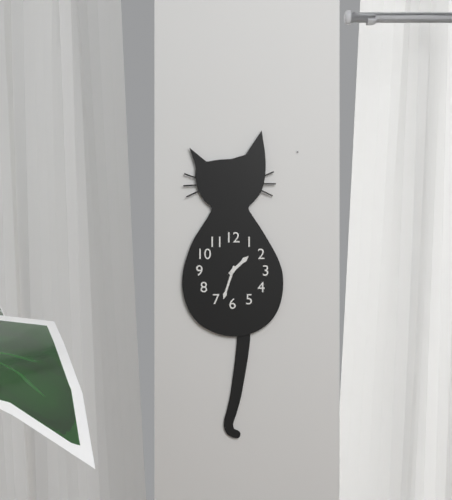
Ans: 1:33
